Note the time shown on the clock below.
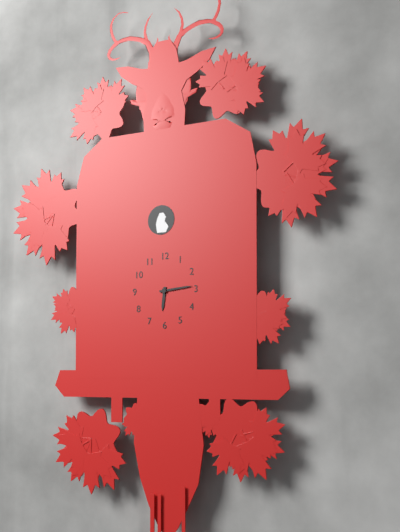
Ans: 6:14
